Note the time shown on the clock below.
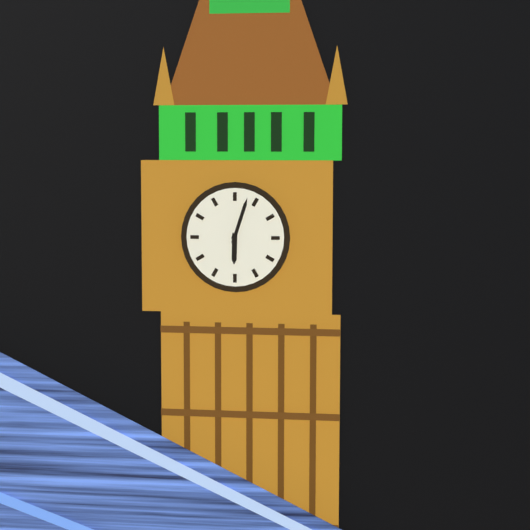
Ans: 6:03
